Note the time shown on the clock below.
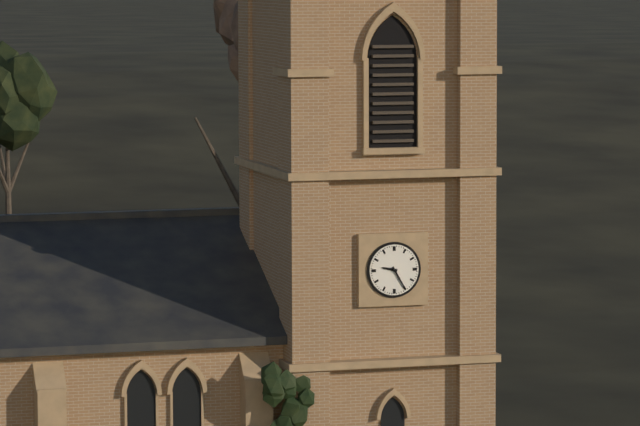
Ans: 9:25
